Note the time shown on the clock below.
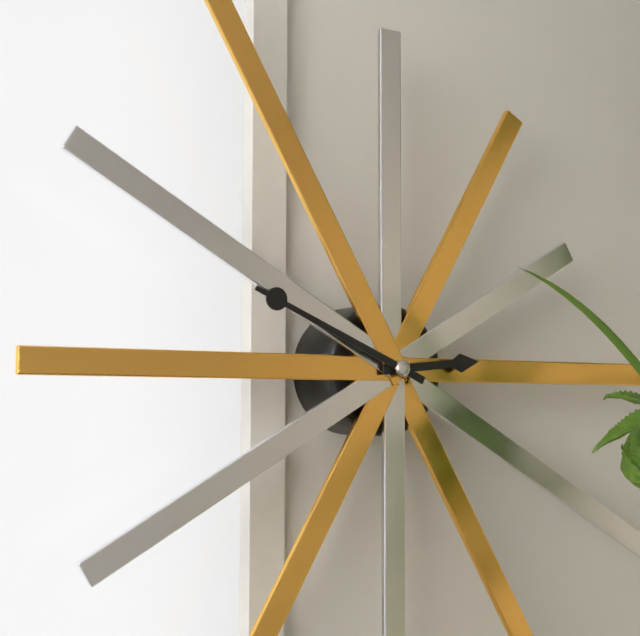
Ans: 2:49
